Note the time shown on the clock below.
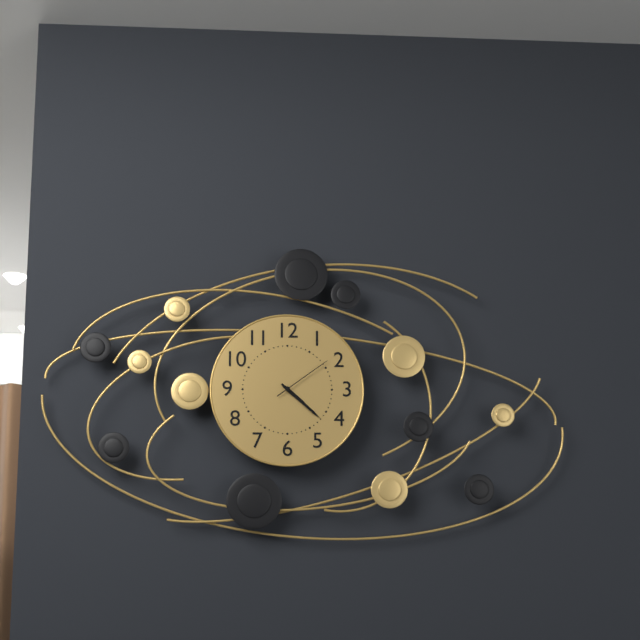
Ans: 4:22:09
